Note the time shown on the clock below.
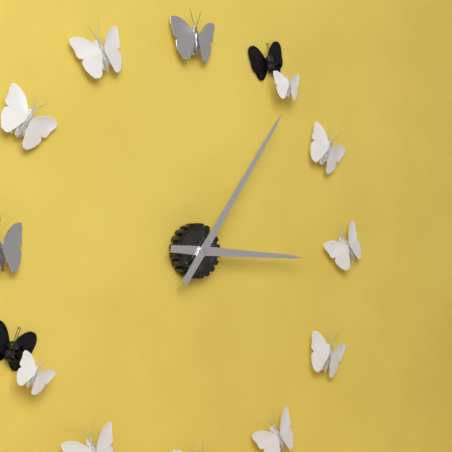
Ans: 3:06
